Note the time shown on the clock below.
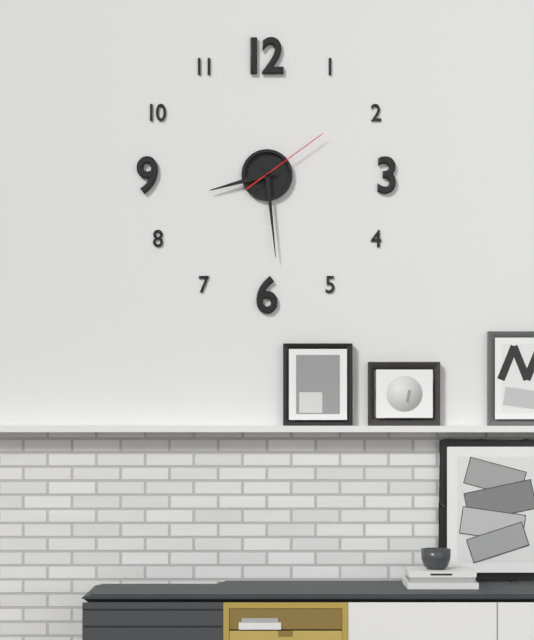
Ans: 8:29:09
